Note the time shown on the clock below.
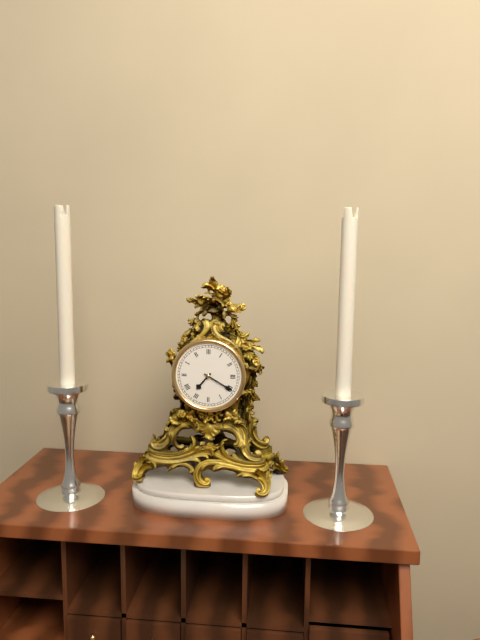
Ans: 7:20
